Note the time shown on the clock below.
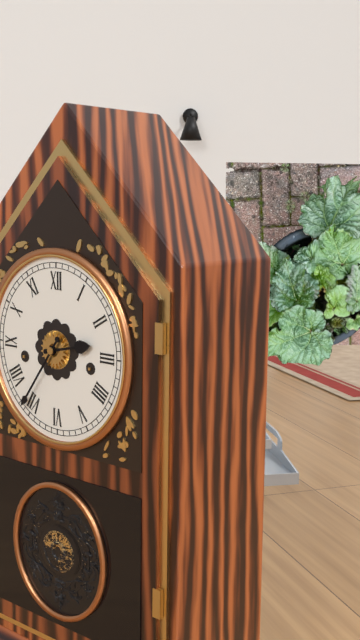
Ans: 2:36
